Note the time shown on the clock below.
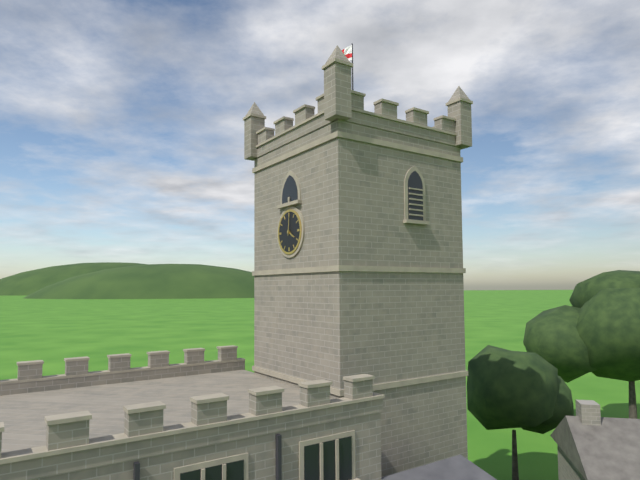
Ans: 4:01
